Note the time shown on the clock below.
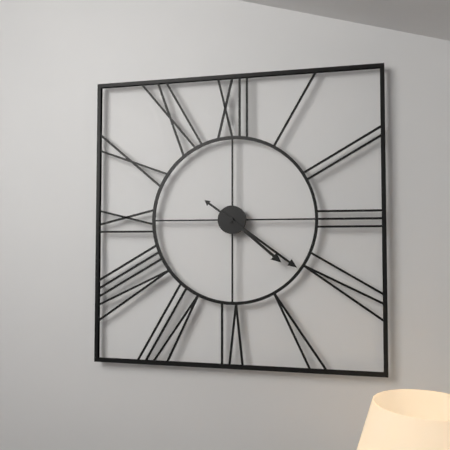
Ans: 4:21
